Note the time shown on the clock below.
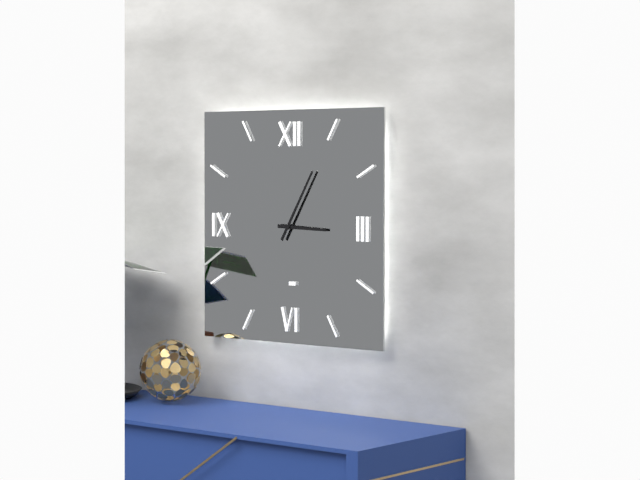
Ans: 3:05
